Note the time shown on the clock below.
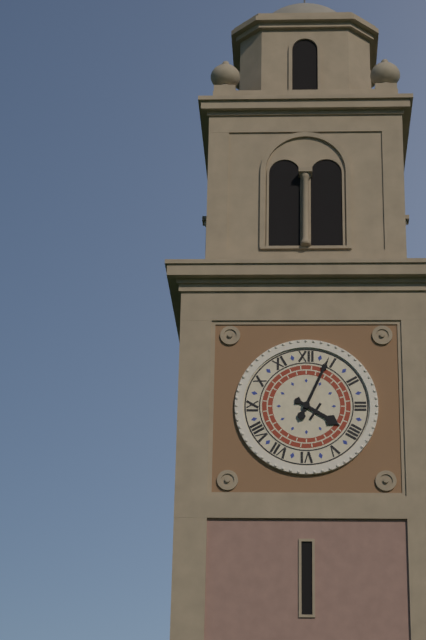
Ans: 4:04
